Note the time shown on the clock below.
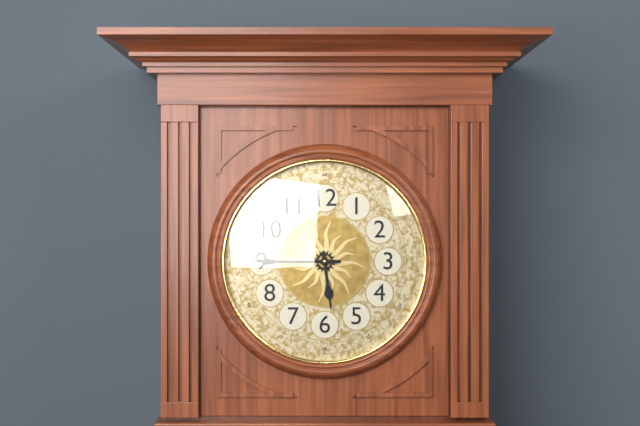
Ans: 5:45
